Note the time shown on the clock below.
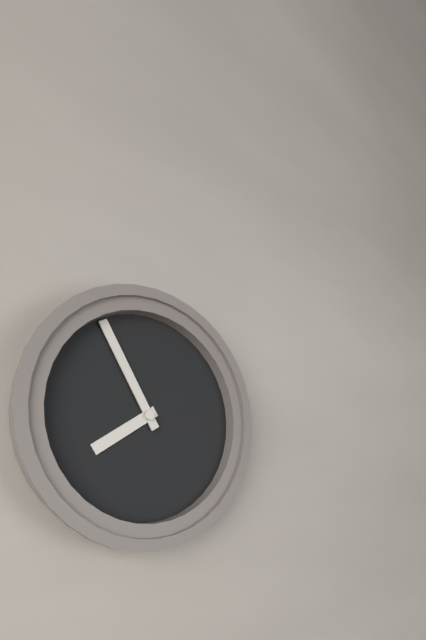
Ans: 7:55
